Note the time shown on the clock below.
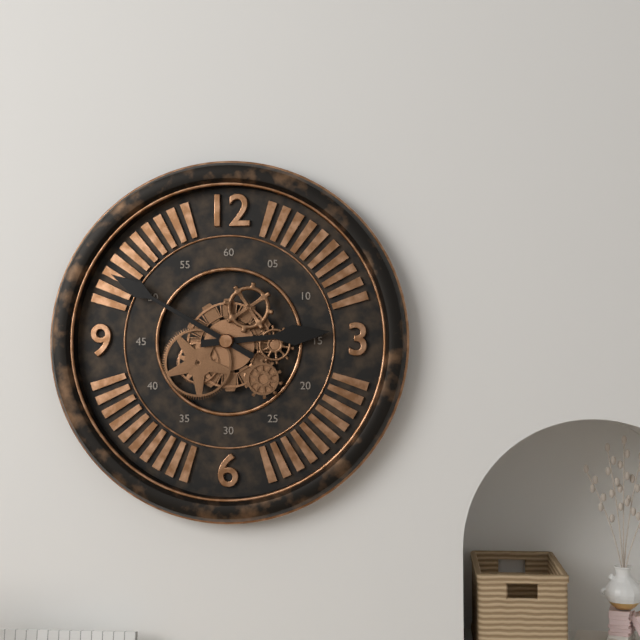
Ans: 2:50
